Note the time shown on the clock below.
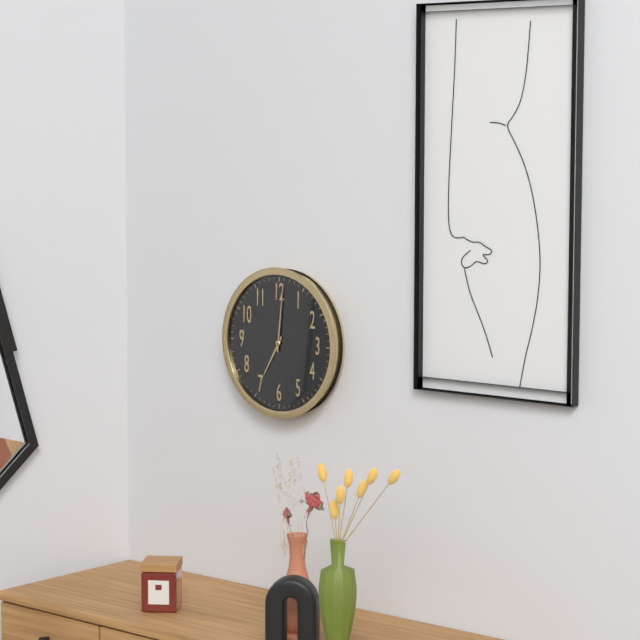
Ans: 7:01
